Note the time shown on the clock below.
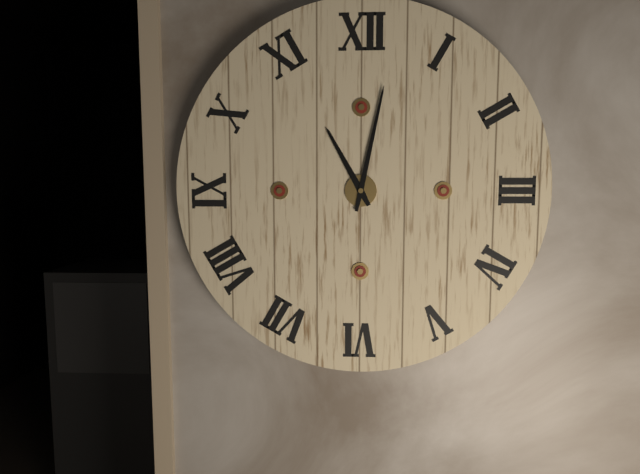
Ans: 11:02
